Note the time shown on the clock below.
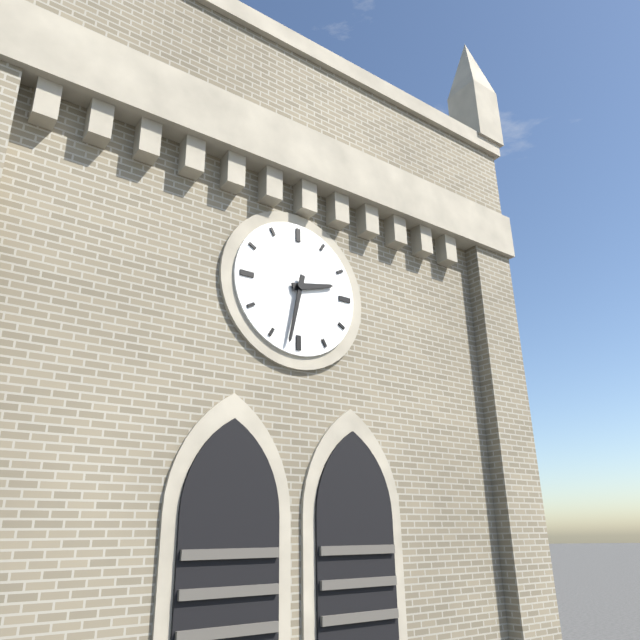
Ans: 2:32
